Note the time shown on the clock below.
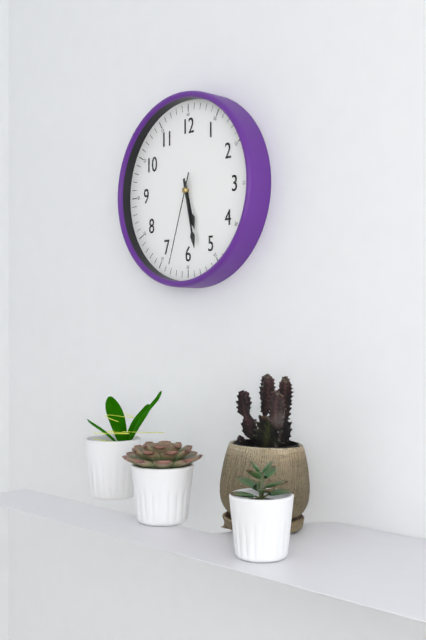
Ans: 5:28:33
